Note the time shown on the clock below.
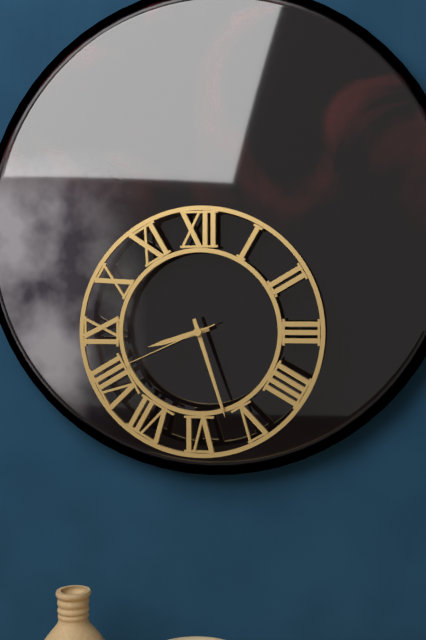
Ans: 8:27:41
